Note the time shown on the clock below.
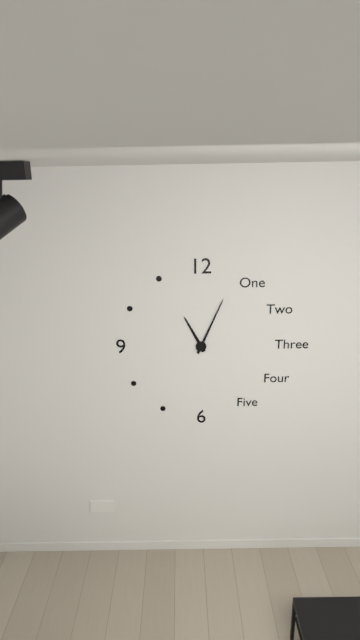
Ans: 11:04
